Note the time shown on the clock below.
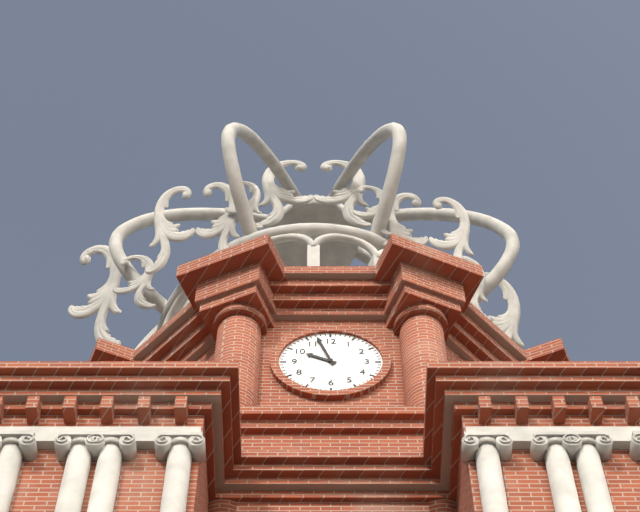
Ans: 9:57
